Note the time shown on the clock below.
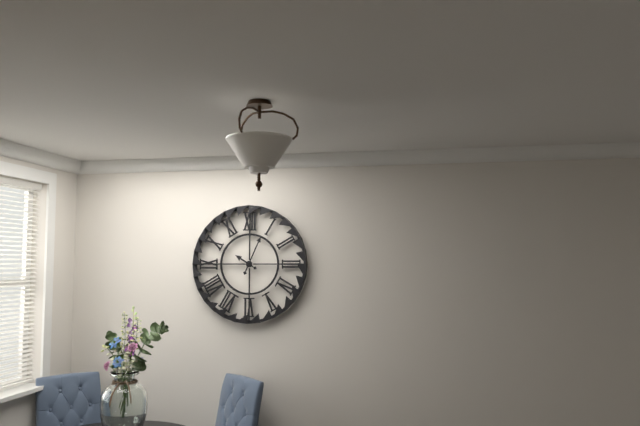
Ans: 10:04
